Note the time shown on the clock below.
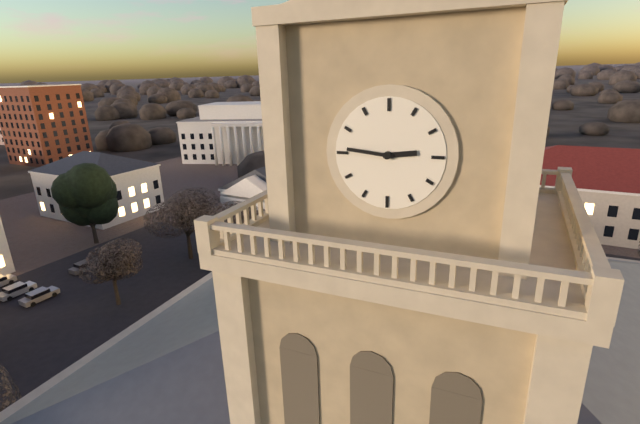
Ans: 2:46
